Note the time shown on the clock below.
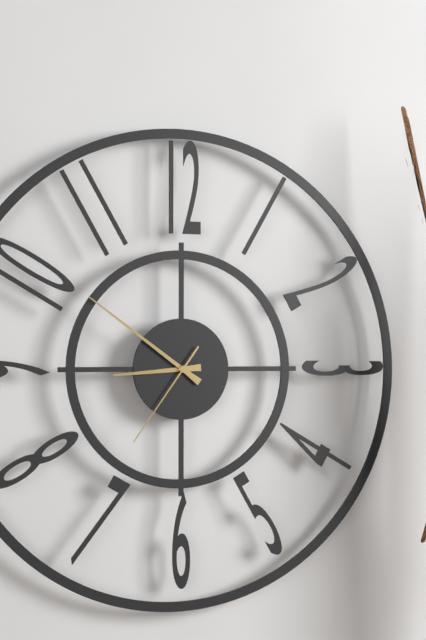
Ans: 8:51:36
